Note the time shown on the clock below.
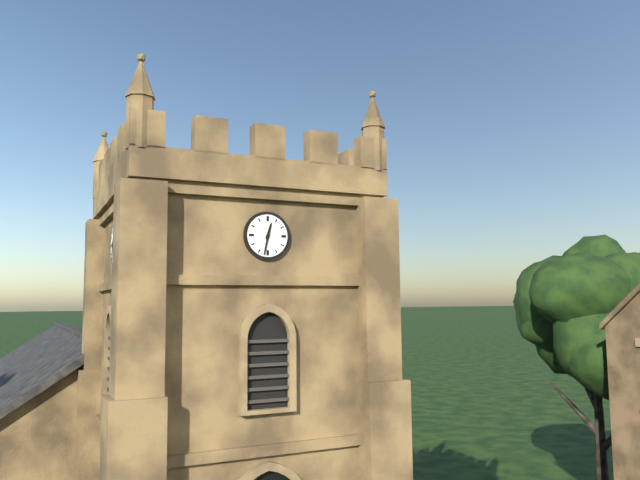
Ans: 12:32
